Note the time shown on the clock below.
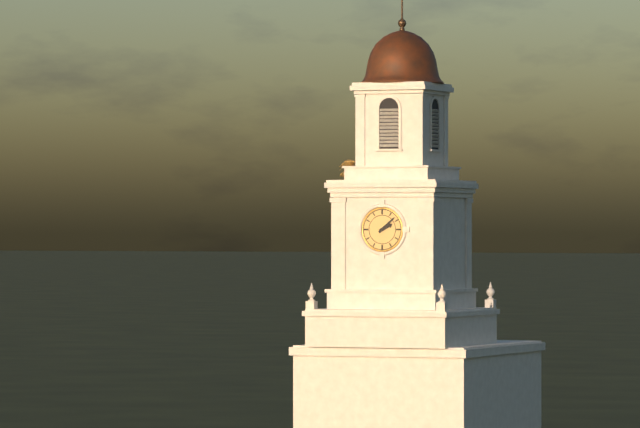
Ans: 2:08
